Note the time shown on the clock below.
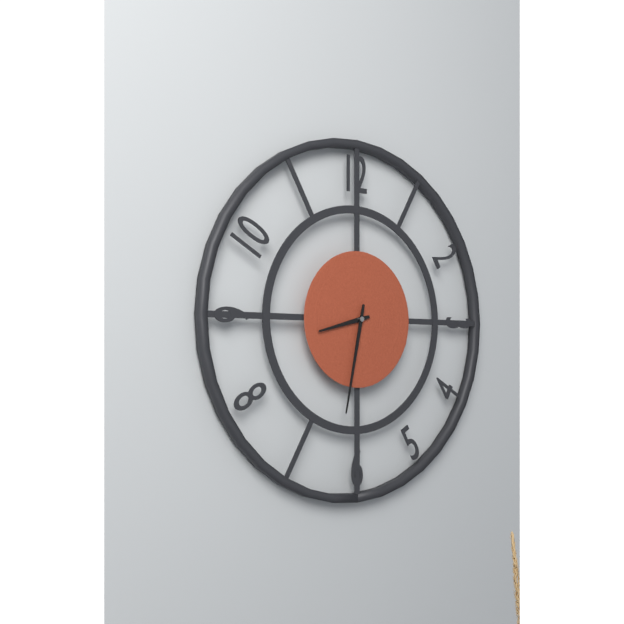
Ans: 8:32
